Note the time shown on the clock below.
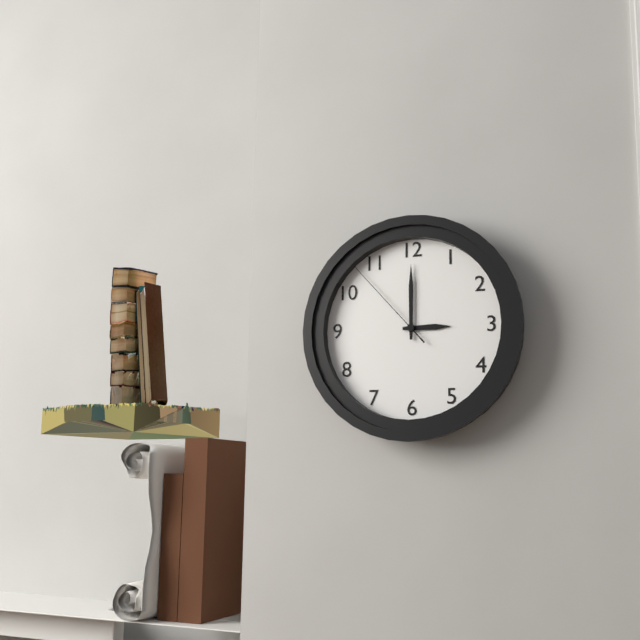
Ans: 3:00:53
